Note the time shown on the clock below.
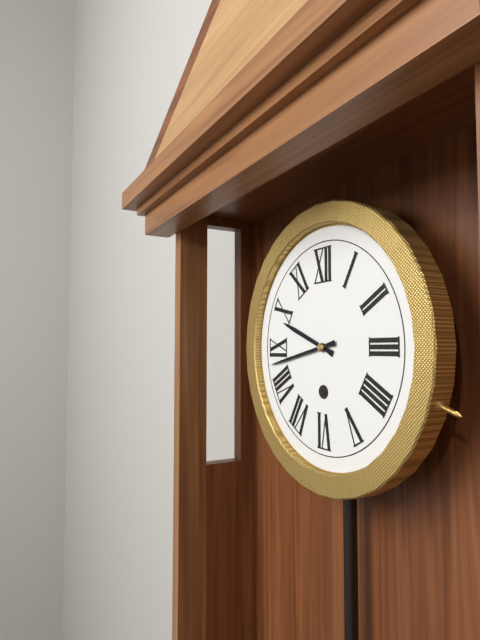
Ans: 9:43
